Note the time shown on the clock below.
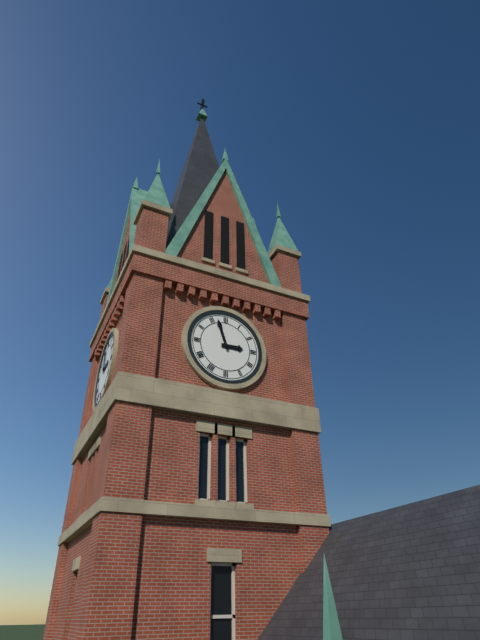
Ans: 2:57
